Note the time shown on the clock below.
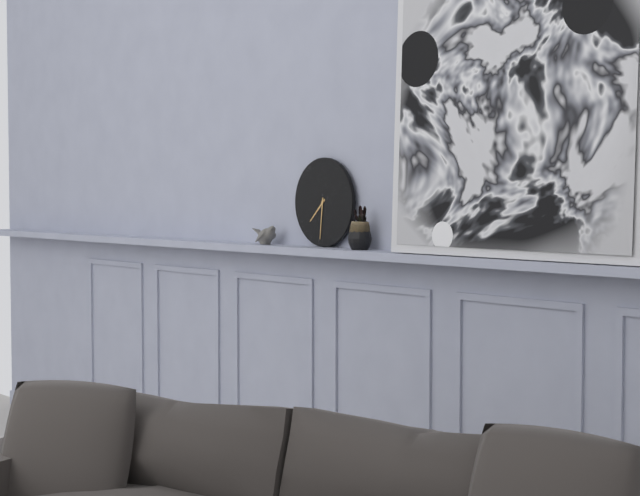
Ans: 7:31
